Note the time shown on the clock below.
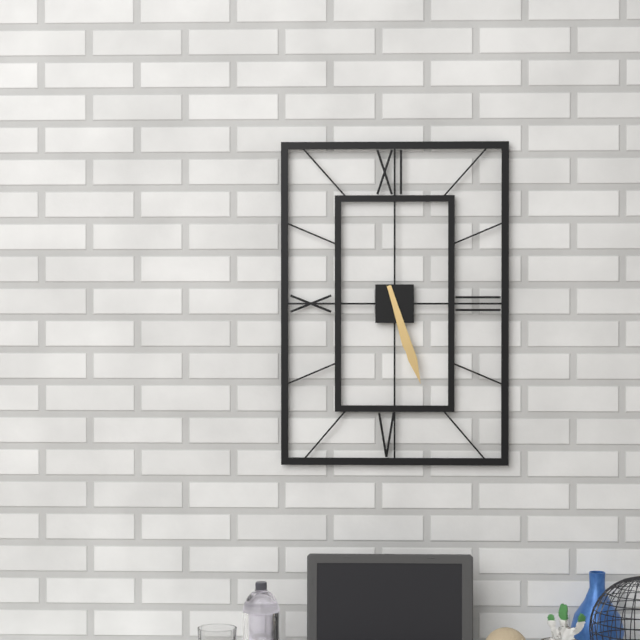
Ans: 5:27
